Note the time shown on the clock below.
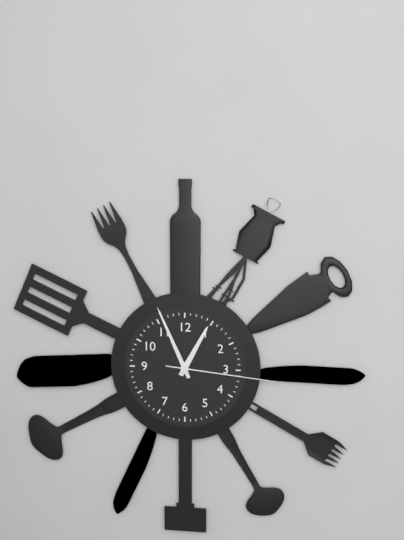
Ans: 12:56:16
